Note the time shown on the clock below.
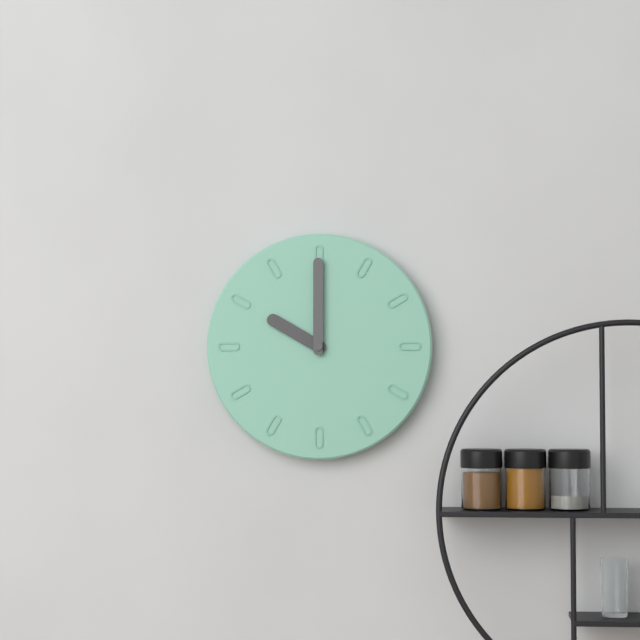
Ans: 10:00
